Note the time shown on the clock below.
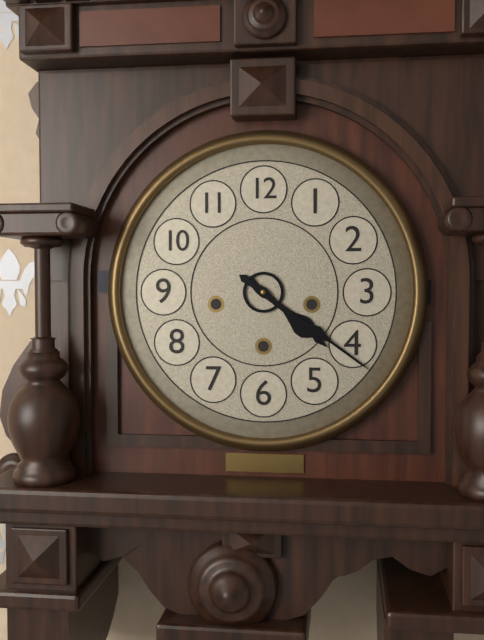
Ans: 4:21
